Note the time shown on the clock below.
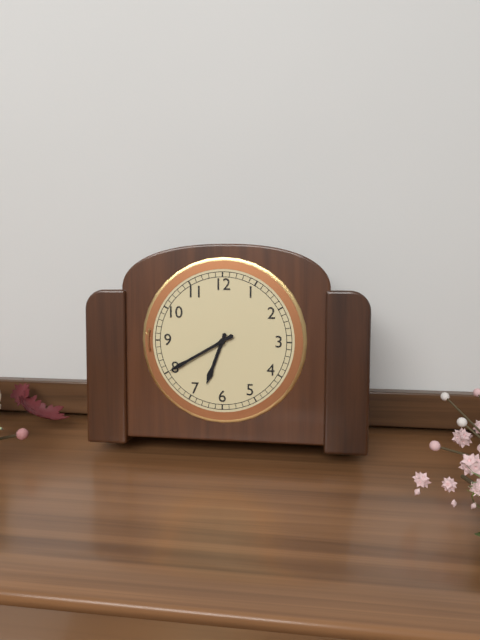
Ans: 6:40
